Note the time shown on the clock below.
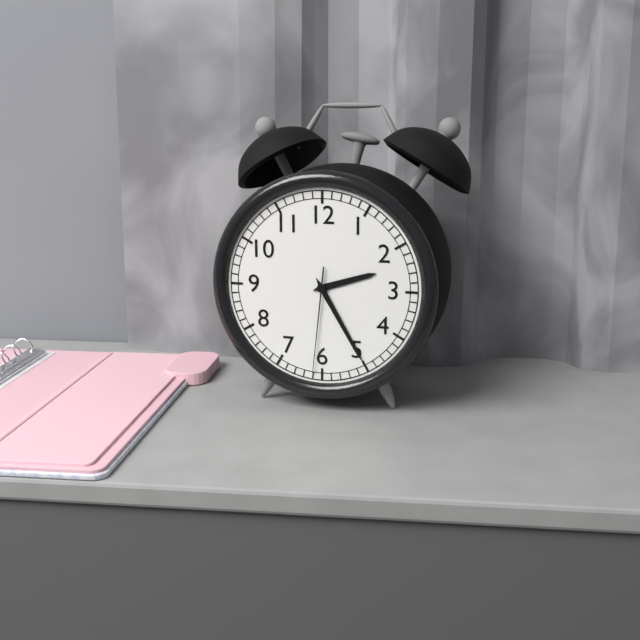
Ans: 2:25:31
